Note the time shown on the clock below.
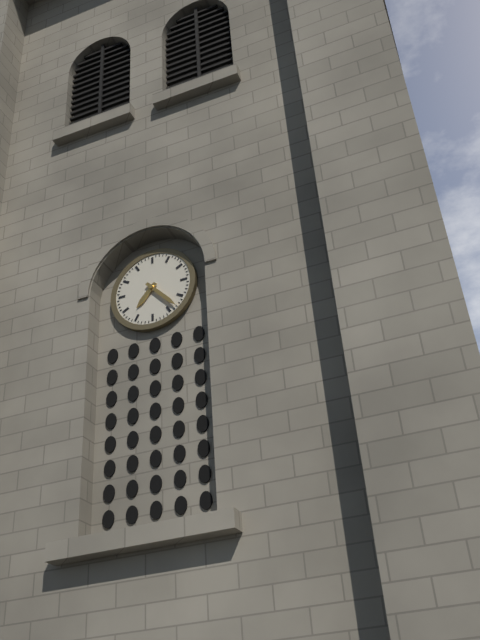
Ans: 7:23
